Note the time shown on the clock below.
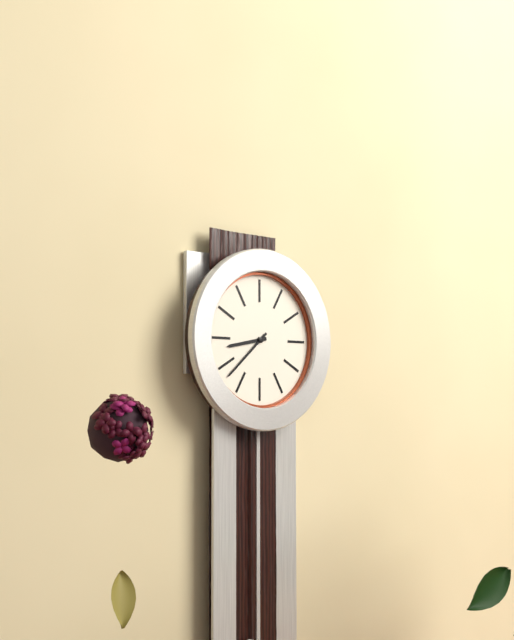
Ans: 8:38
